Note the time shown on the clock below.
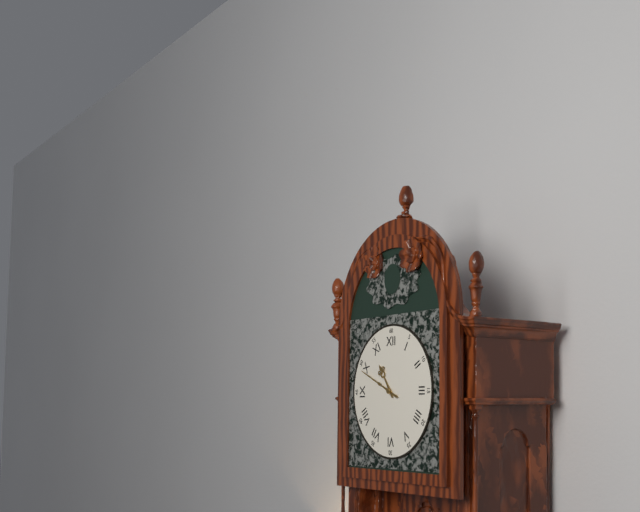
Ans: 10:49
